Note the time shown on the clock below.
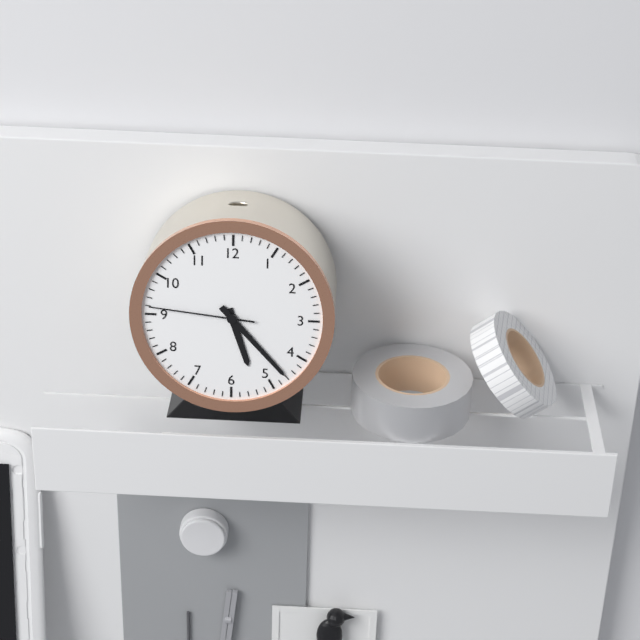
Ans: 5:23:46
